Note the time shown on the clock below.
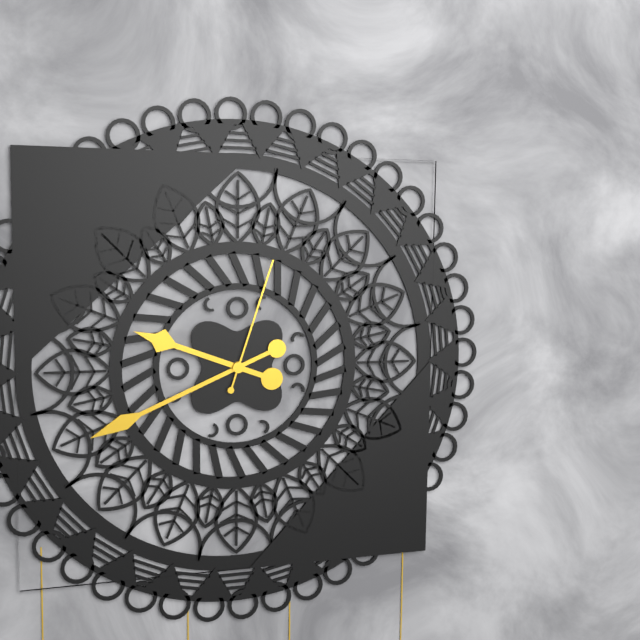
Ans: 9:41:03
